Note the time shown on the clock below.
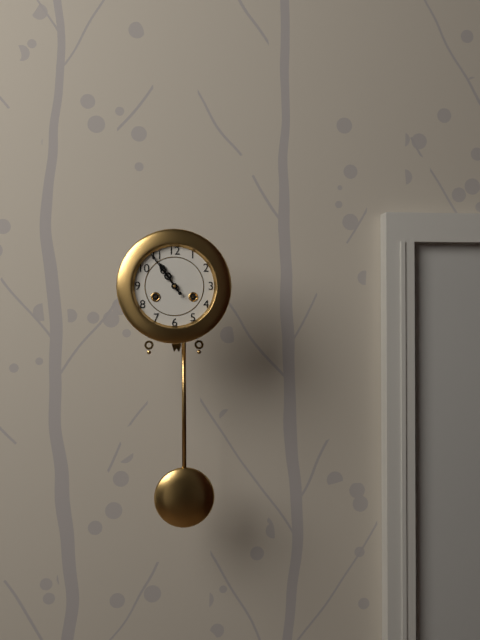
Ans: 10:54
